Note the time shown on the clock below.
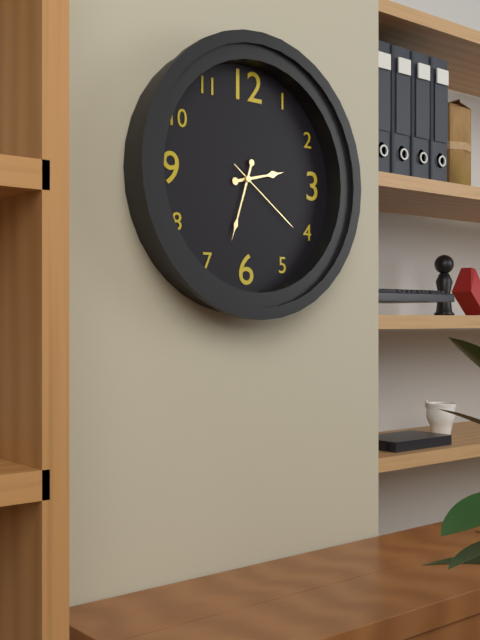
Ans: 2:33:21
